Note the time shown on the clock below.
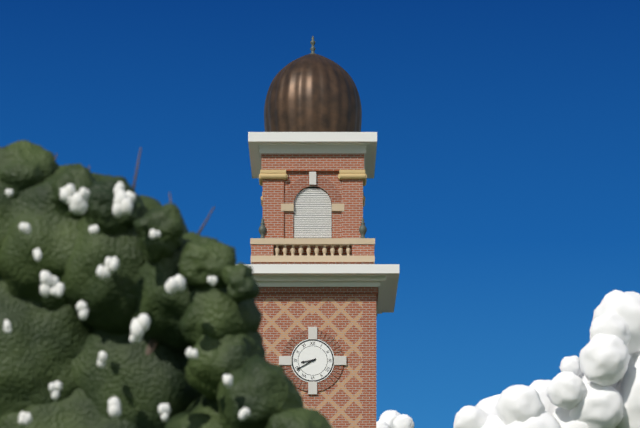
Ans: 8:40
